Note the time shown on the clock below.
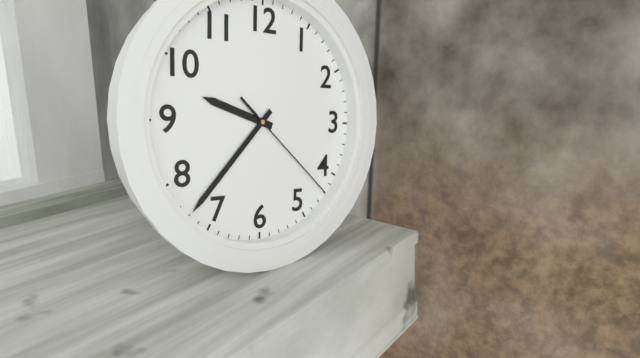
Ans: 9:37:22
